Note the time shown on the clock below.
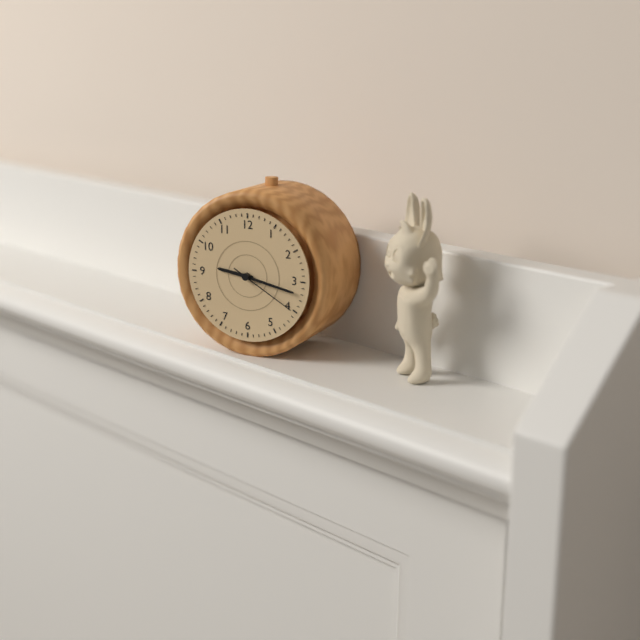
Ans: 9:17:20
